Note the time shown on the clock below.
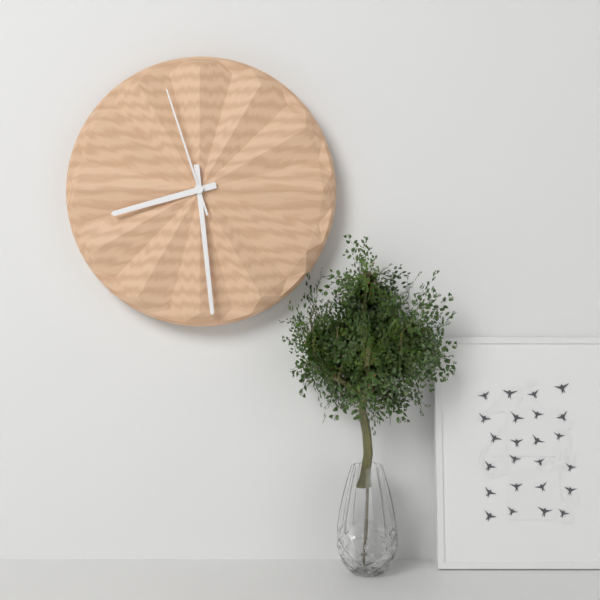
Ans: 8:29:57
